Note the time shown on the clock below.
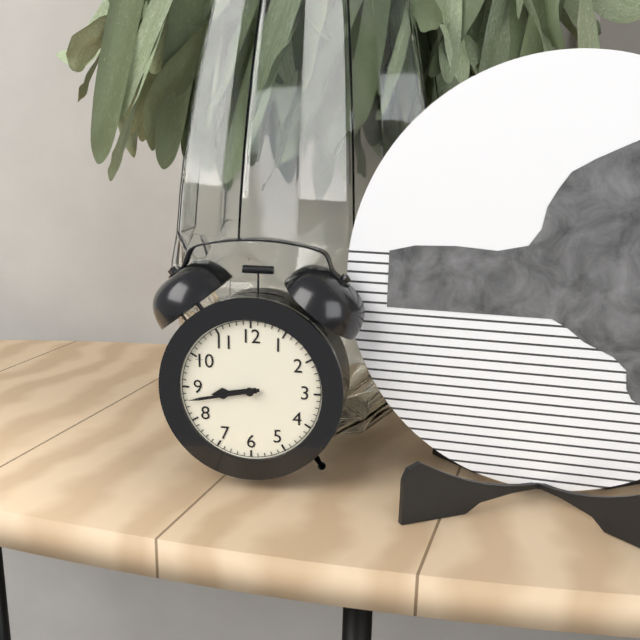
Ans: 8:43
